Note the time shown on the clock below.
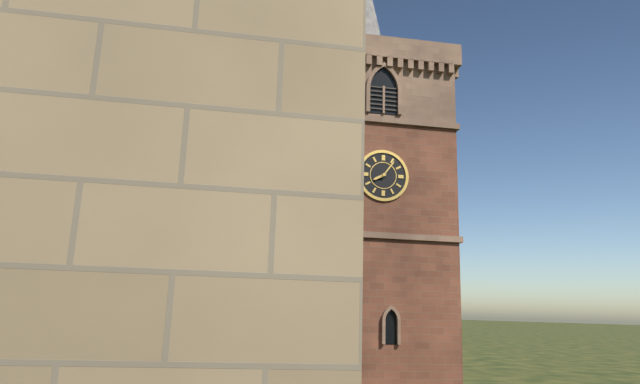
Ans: 8:06
